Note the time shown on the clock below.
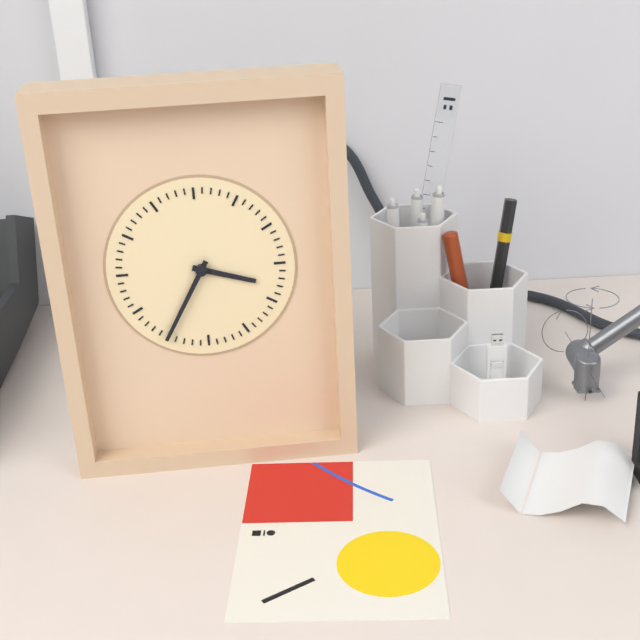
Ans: 3:35
